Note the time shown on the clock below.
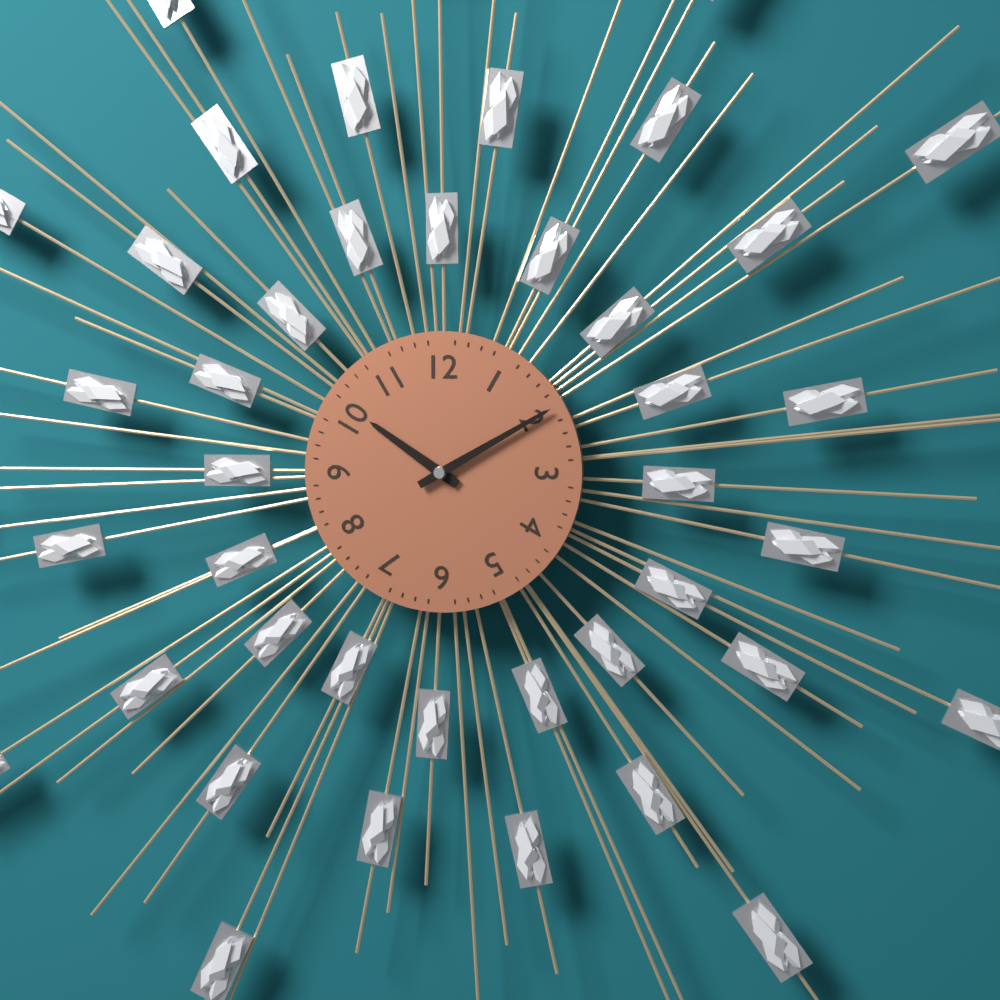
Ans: 10:10
